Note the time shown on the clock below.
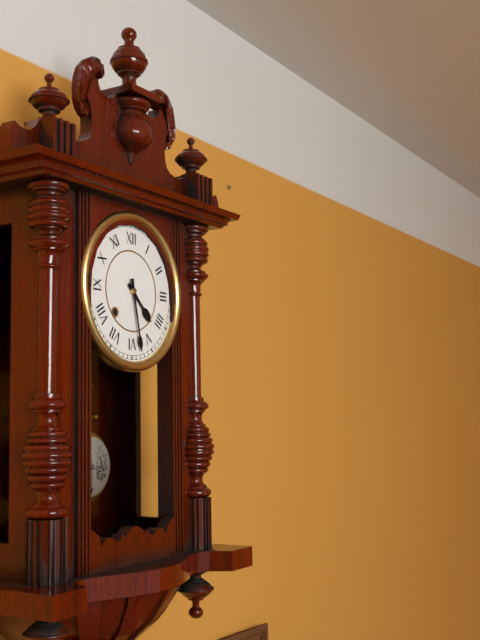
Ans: 4:28
